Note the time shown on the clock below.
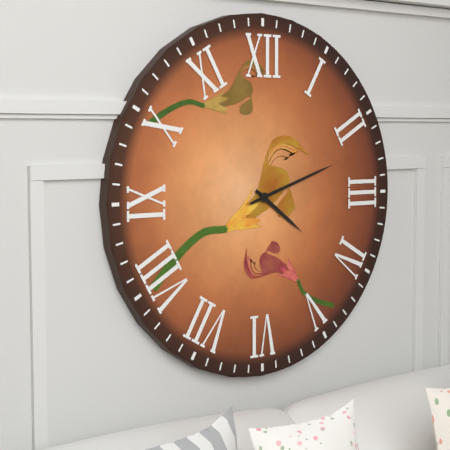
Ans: 4:12
